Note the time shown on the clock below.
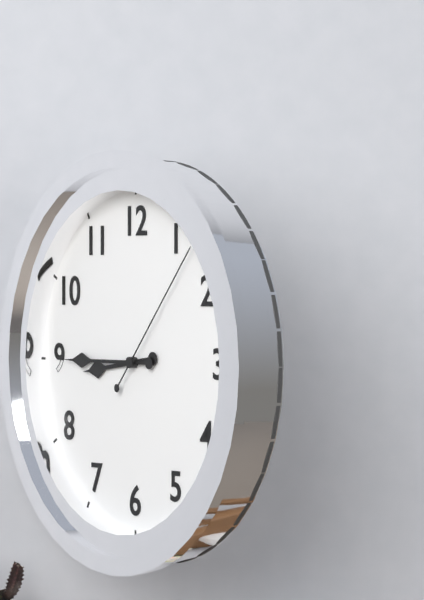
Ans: 8:45:07
